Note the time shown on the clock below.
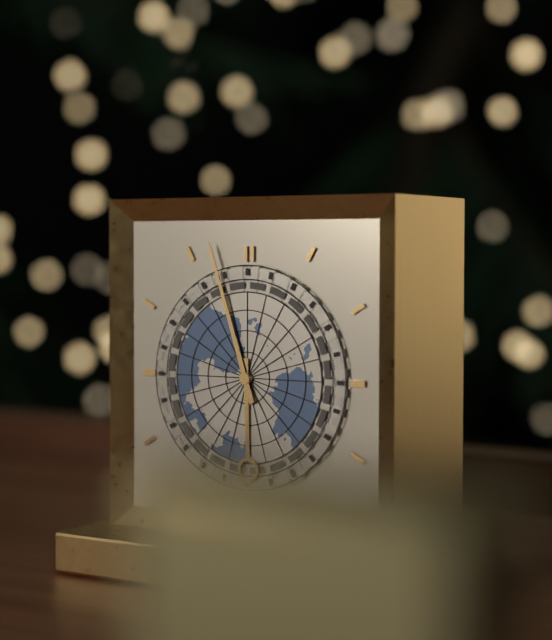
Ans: 5:57
